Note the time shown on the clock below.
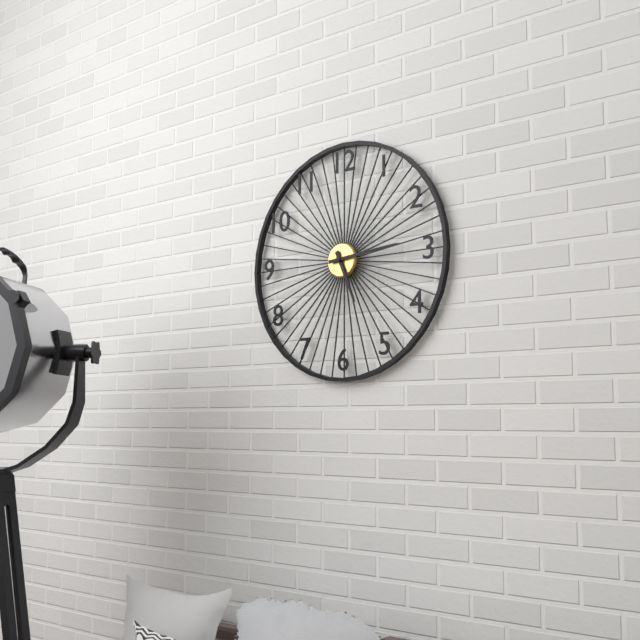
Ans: 5:14
